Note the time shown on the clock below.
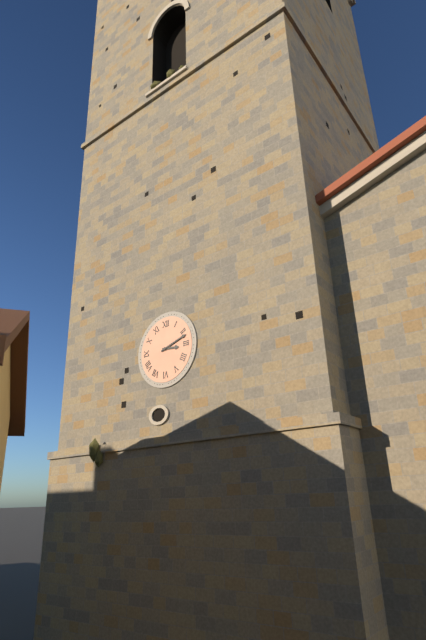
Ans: 3:12
